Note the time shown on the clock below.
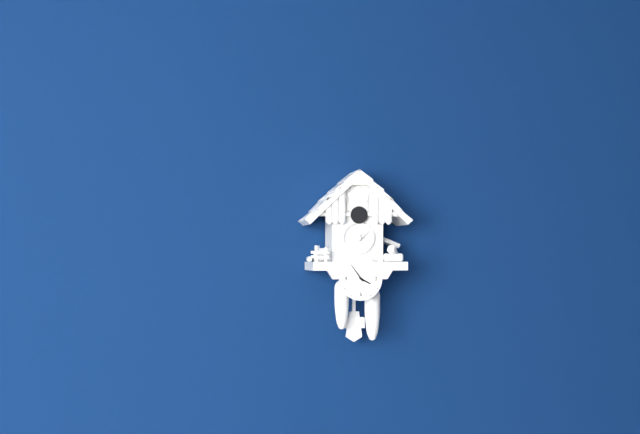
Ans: 3:54
